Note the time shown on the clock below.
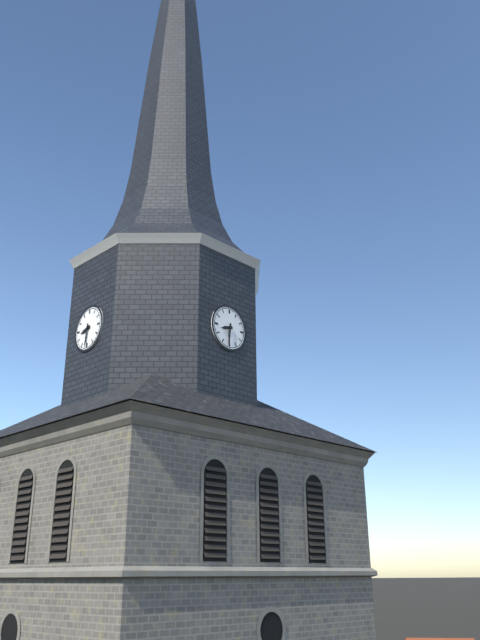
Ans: 8:31
